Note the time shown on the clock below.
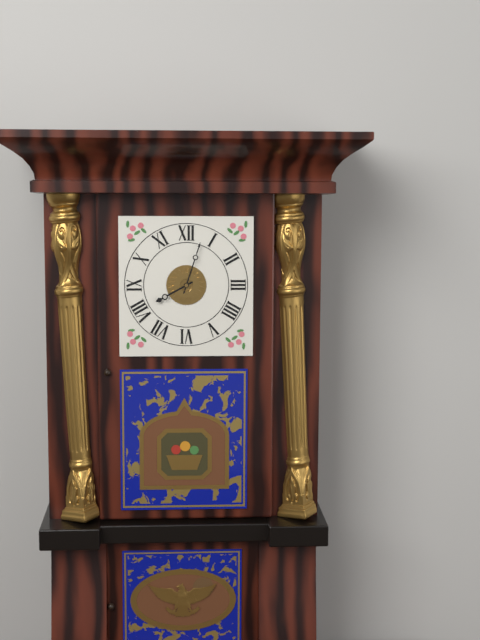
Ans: 8:03
